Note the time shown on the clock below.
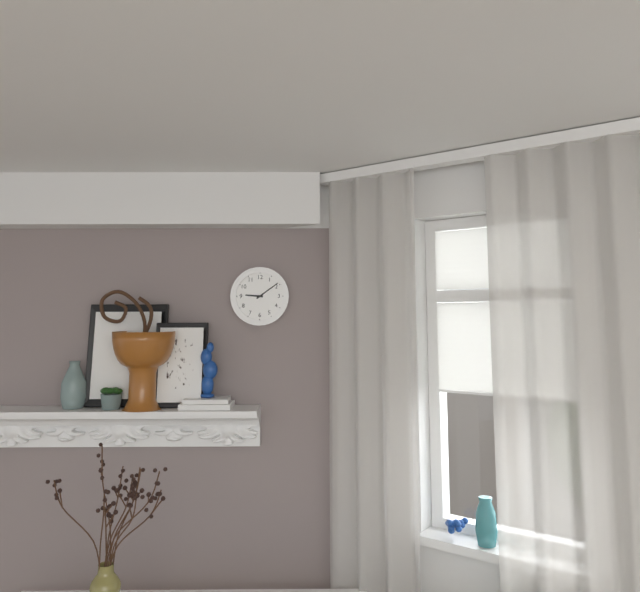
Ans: 9:09
